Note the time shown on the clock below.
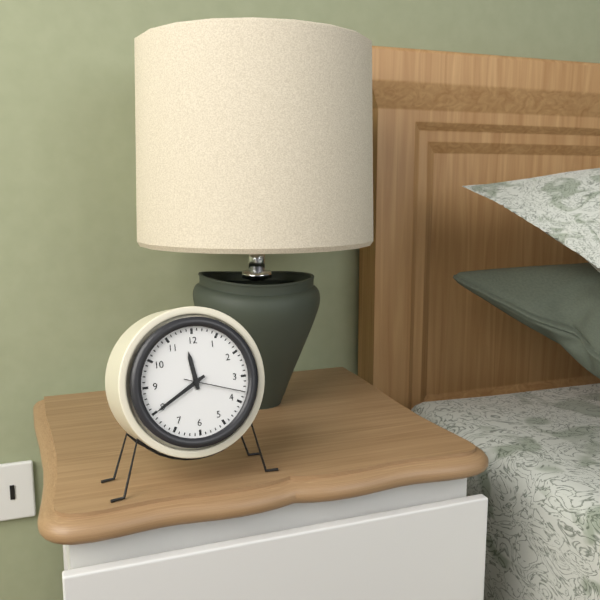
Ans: 11:40:18
